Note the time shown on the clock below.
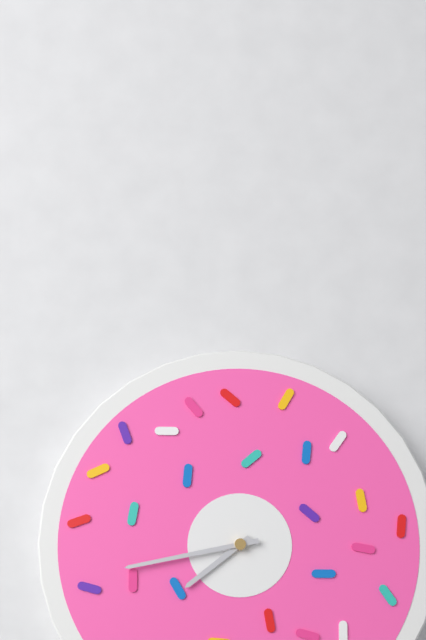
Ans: 7:43
